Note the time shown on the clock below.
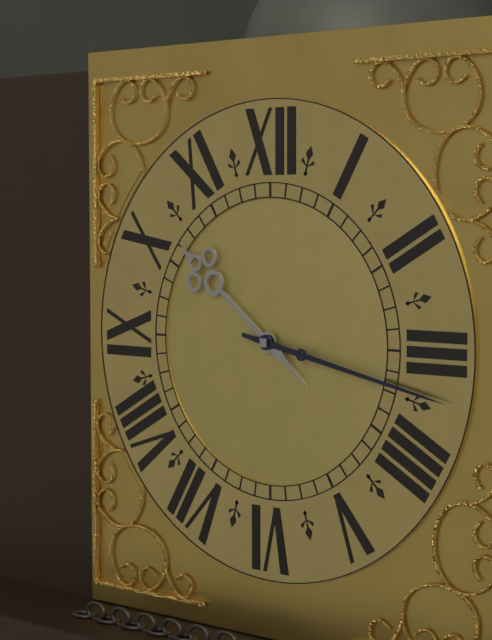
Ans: 10:17
